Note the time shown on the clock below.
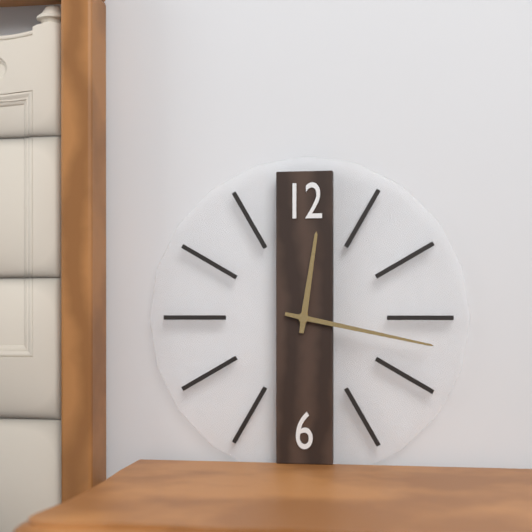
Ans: 12:17
